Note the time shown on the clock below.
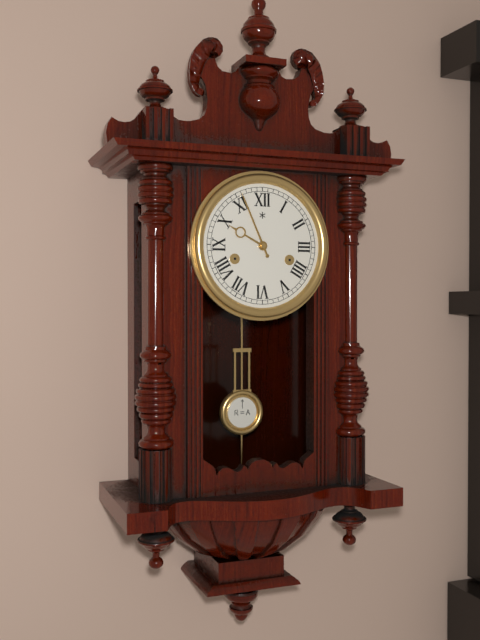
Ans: 9:56
